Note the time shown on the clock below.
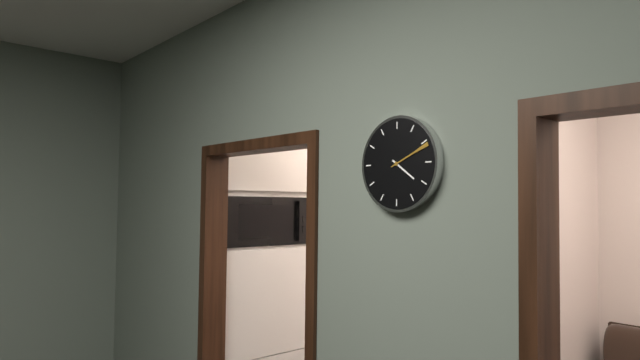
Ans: 4:11
